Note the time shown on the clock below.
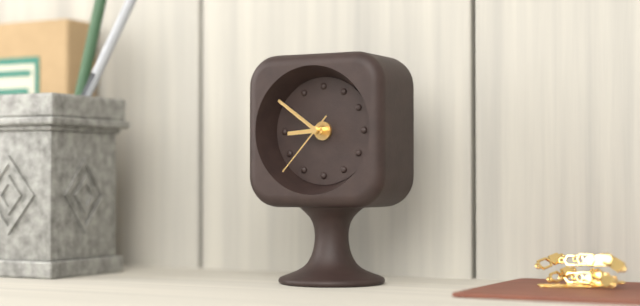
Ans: 8:51:37
